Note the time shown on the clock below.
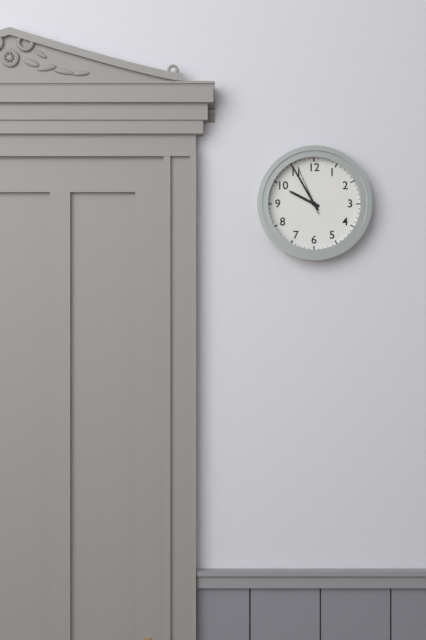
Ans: 9:55:56
